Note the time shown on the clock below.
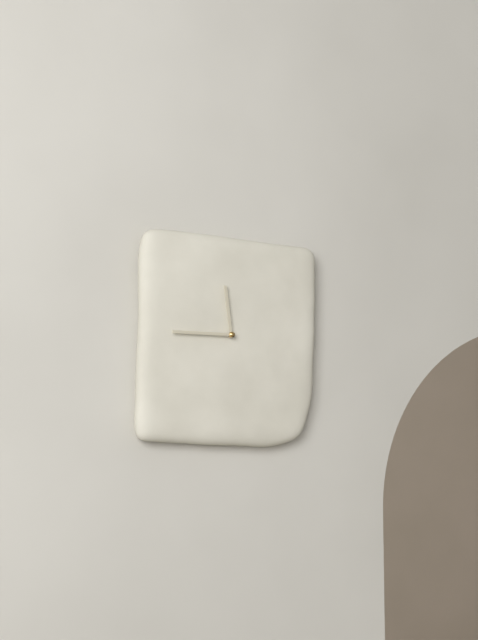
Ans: 11:45
